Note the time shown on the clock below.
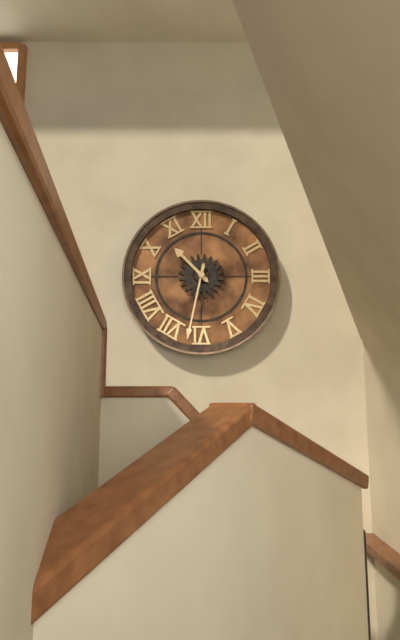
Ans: 10:32
